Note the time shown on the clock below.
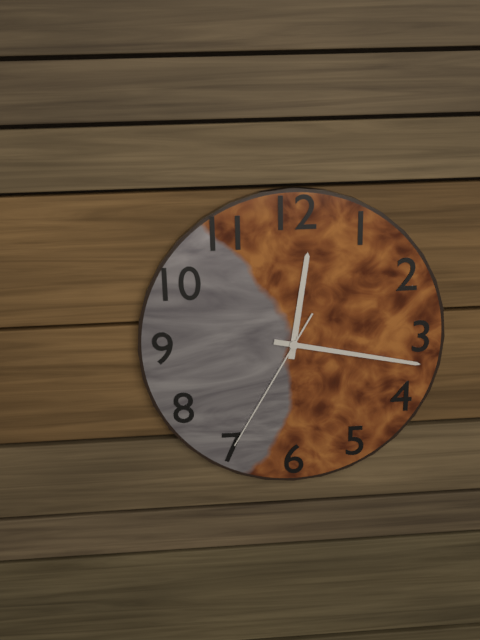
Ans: 12:17:35
